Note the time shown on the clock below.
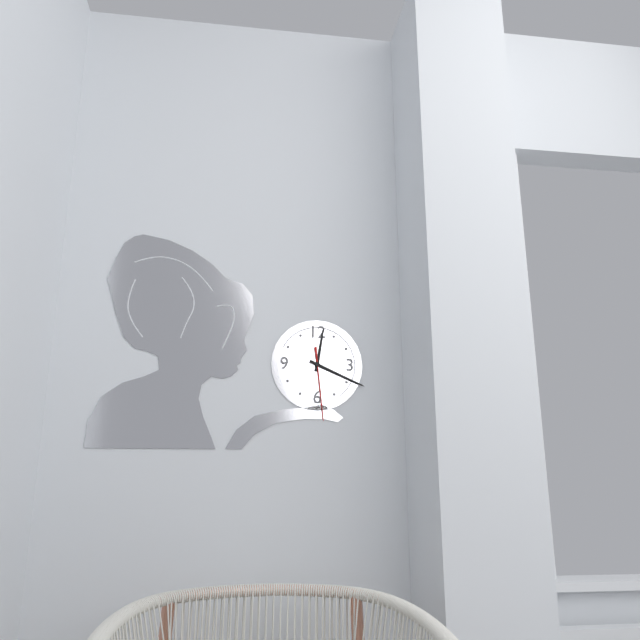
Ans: 12:19:29
